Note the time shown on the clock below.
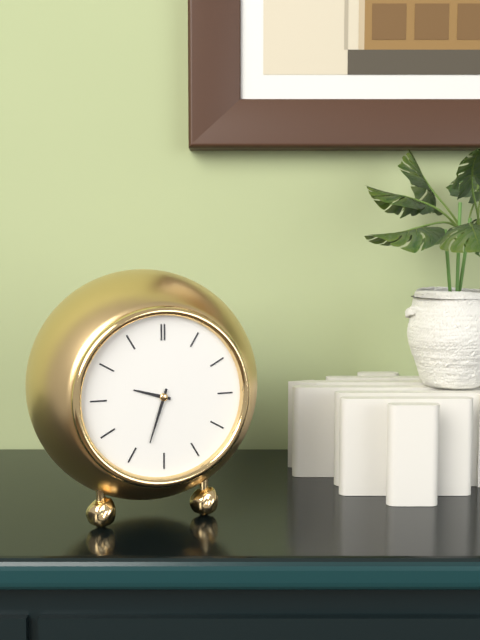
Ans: 9:33
